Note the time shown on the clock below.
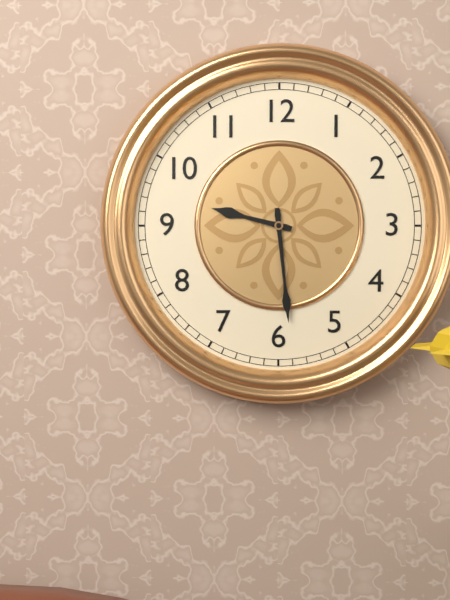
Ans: 9:29
